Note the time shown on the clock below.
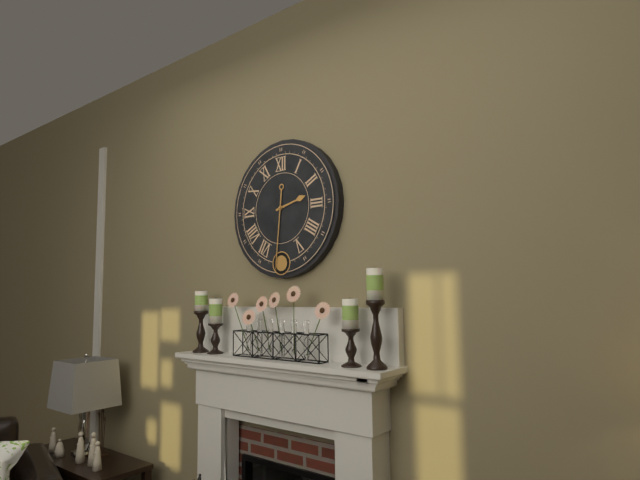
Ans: 2:31
